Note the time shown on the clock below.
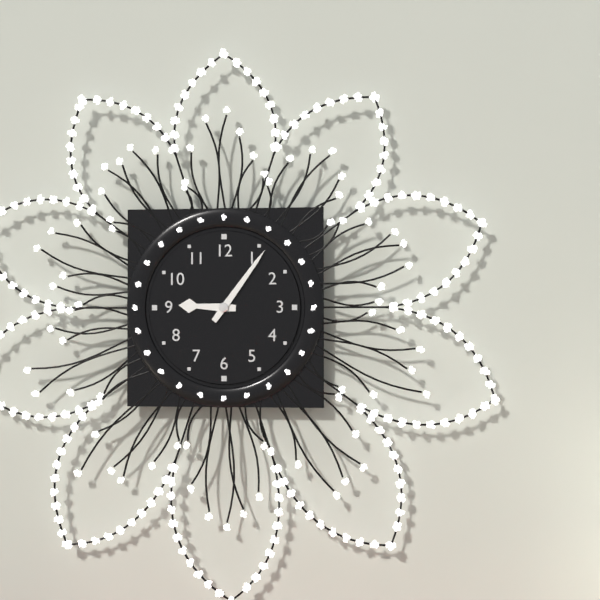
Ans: 9:06
